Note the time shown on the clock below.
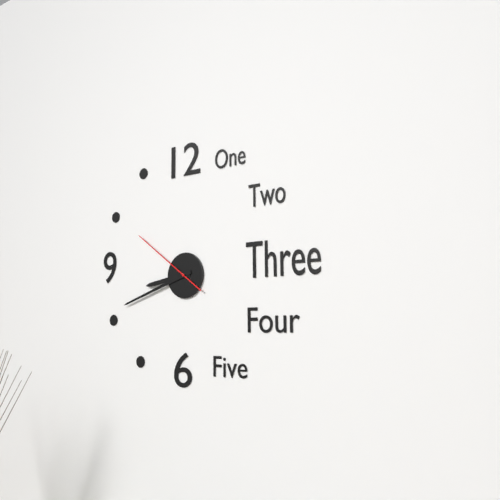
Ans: 8:42:51
